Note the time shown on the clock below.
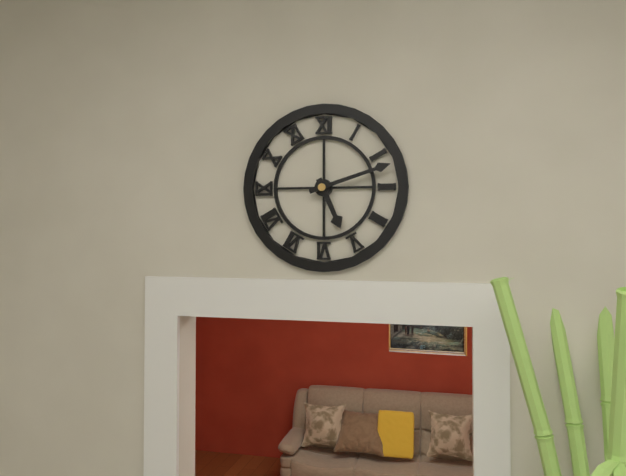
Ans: 5:12
